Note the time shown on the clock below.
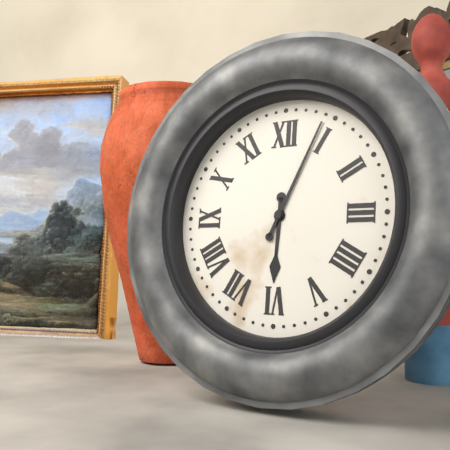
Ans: 6:04
